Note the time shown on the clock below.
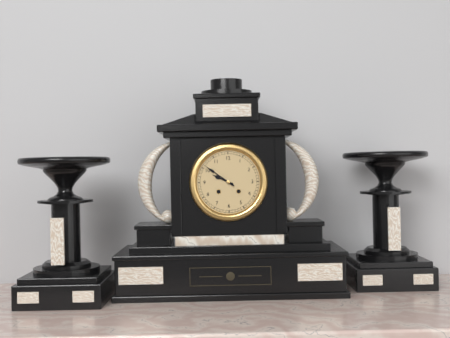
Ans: 9:51
